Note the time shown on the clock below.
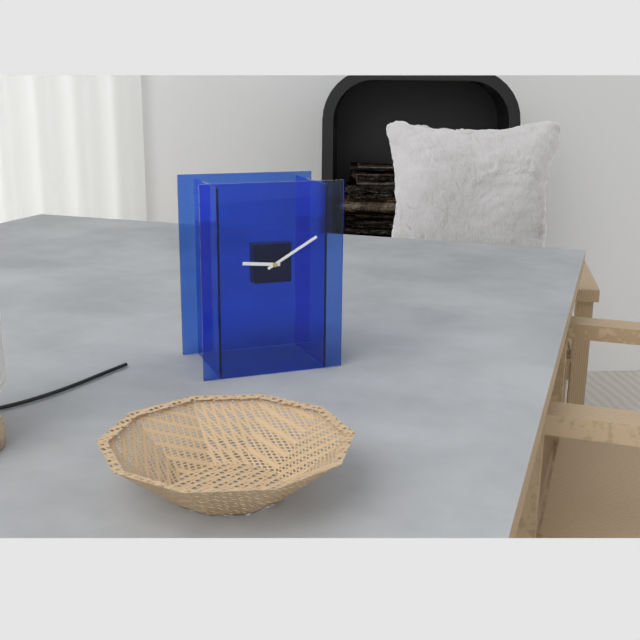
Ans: 9:10
